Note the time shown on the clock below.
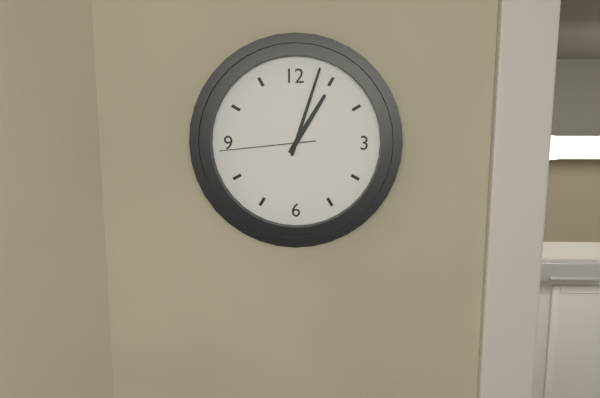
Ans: 1:03:44
